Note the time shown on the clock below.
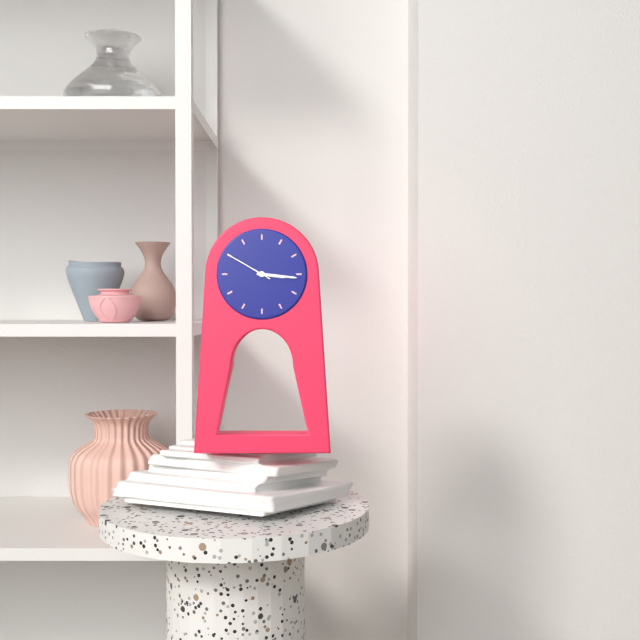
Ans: 3:16:50
